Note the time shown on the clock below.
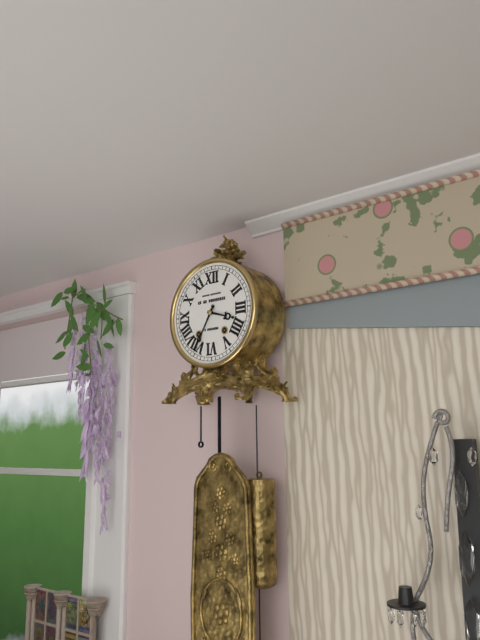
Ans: 3:35
